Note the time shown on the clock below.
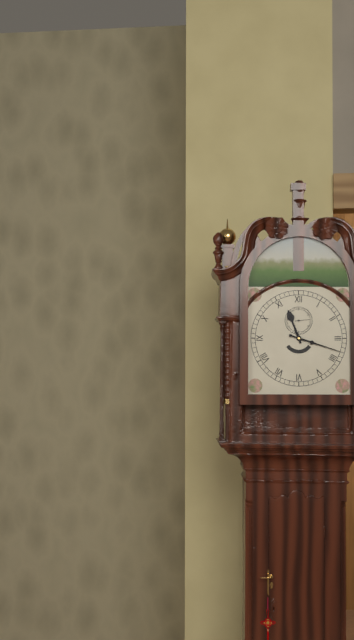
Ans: 11:18
